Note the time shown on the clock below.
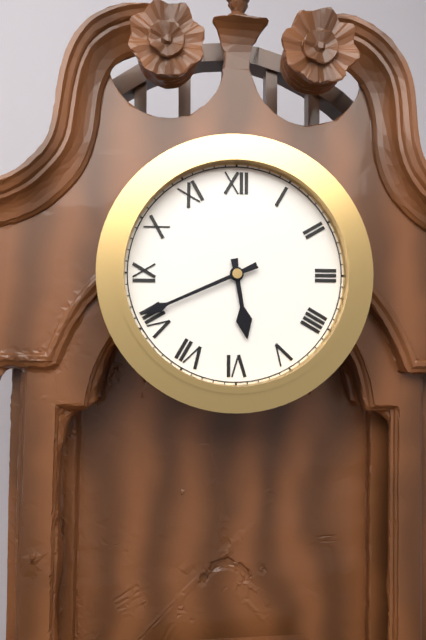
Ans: 5:41
